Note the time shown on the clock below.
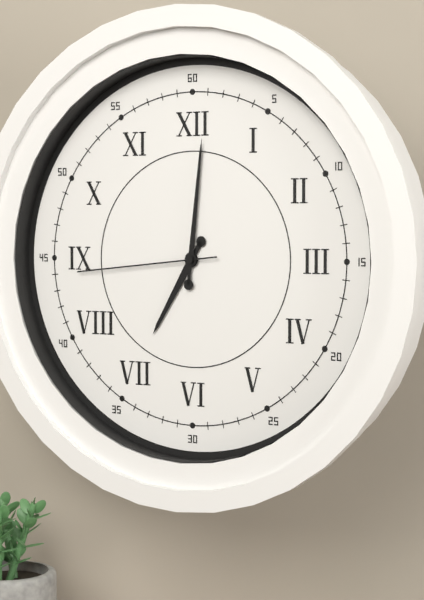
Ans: 7:01:44
